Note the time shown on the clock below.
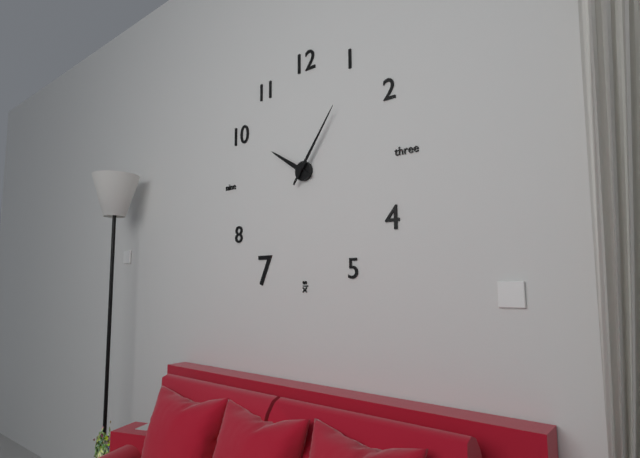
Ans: 10:06
